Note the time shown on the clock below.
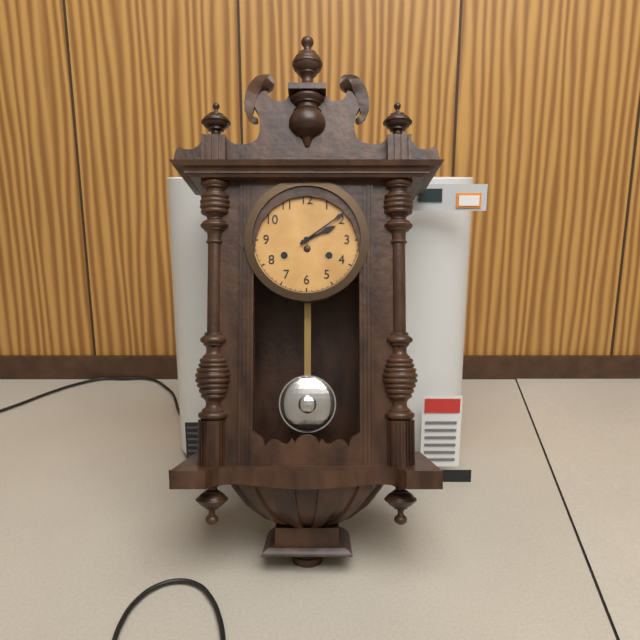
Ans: 2:09
